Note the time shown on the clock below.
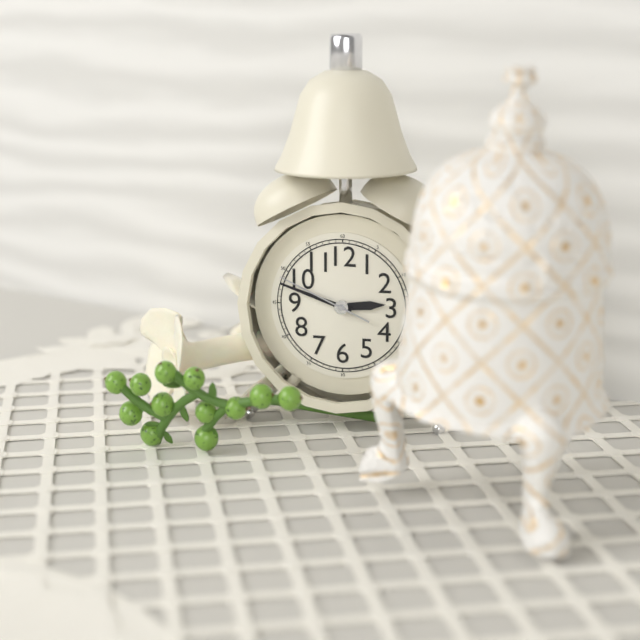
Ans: 2:48:49
